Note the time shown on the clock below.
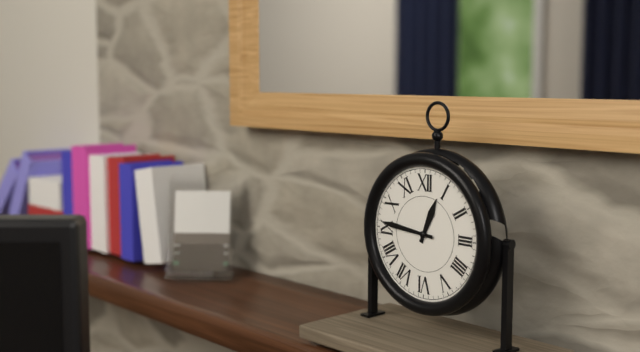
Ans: 12:46
